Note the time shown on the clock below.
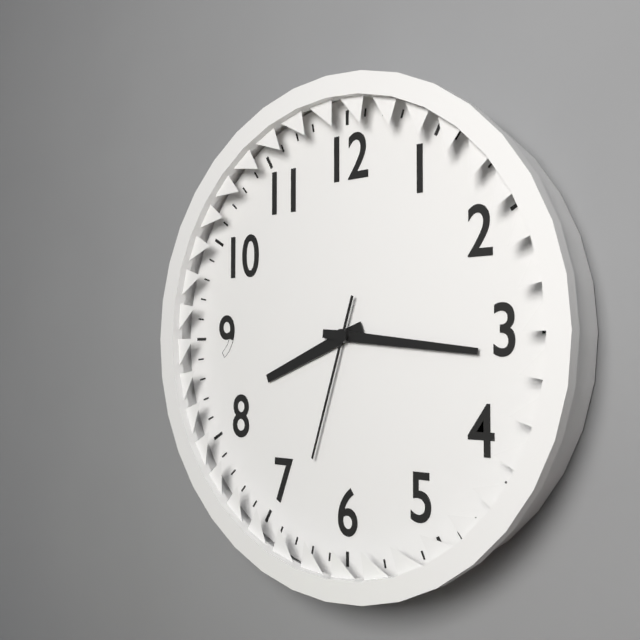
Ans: 8:16:33
